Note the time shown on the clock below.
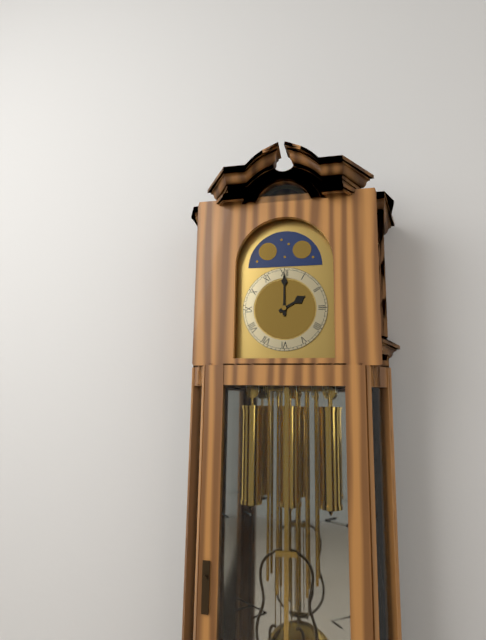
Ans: 2:00
